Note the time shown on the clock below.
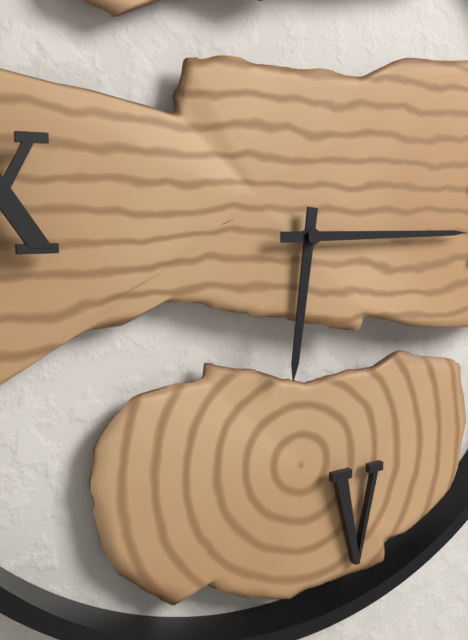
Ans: 6:15
